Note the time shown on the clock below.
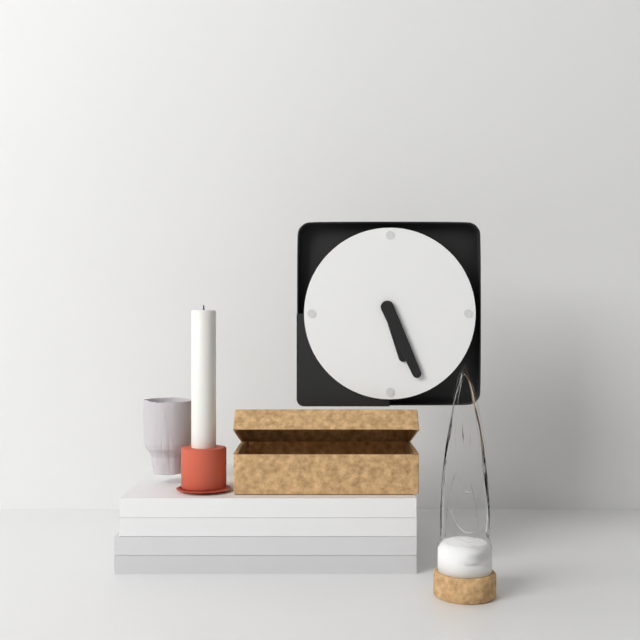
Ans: 5:26
